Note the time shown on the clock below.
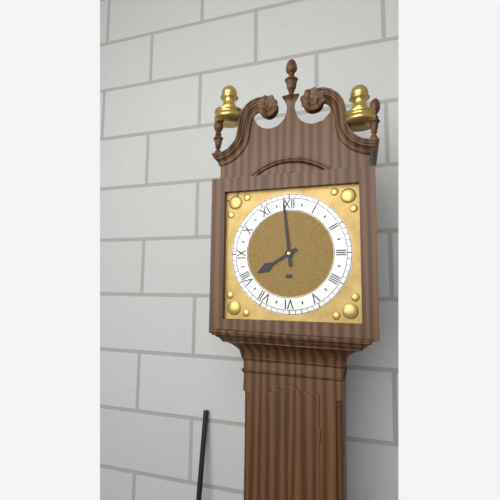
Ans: 7:59
